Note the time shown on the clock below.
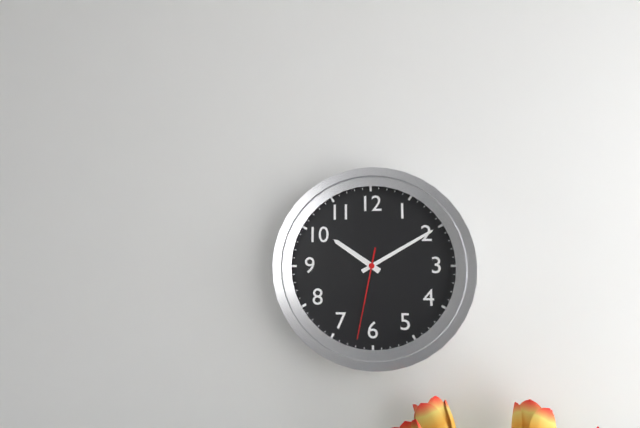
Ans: 10:10:32
